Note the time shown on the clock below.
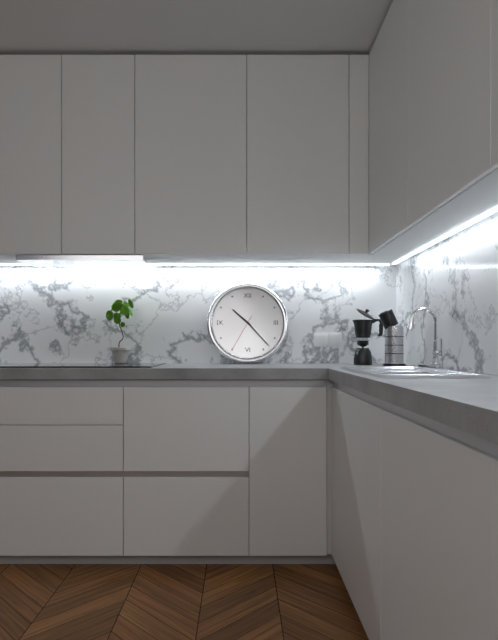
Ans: 10:23
